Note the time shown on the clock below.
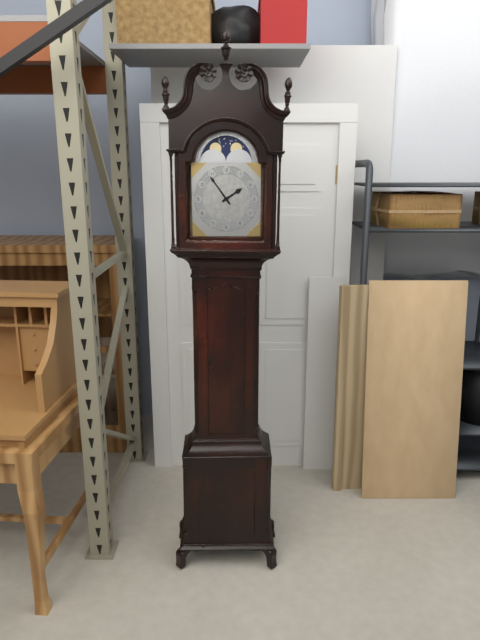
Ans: 1:54
